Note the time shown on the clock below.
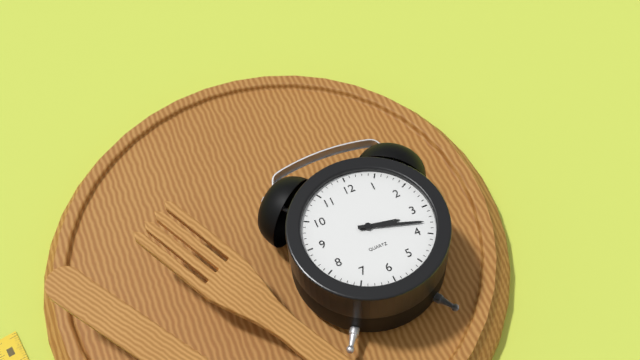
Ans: 3:18
